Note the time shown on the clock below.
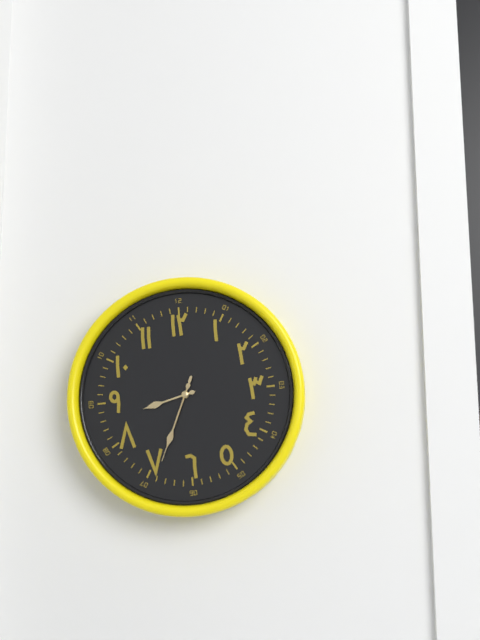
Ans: 8:34:34
